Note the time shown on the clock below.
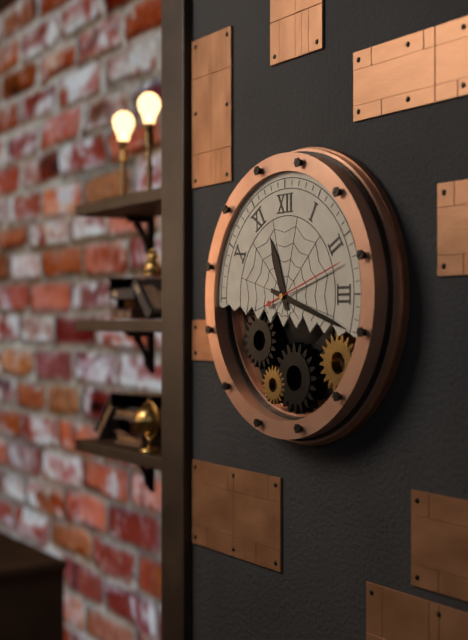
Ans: 11:18:12
